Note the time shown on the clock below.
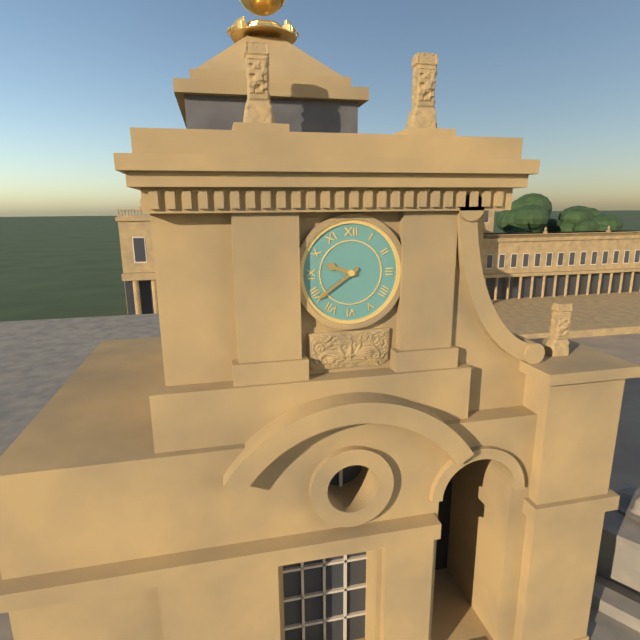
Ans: 9:39
